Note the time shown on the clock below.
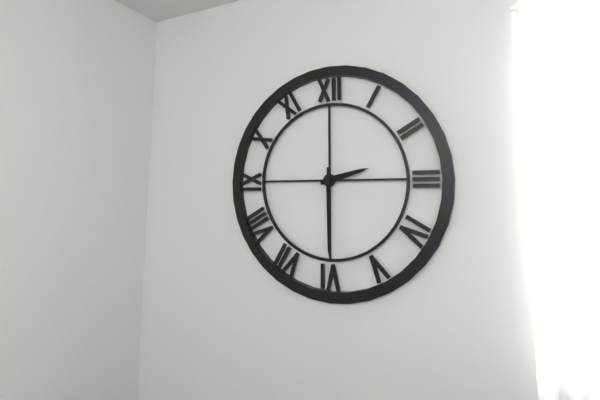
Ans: 2:30
